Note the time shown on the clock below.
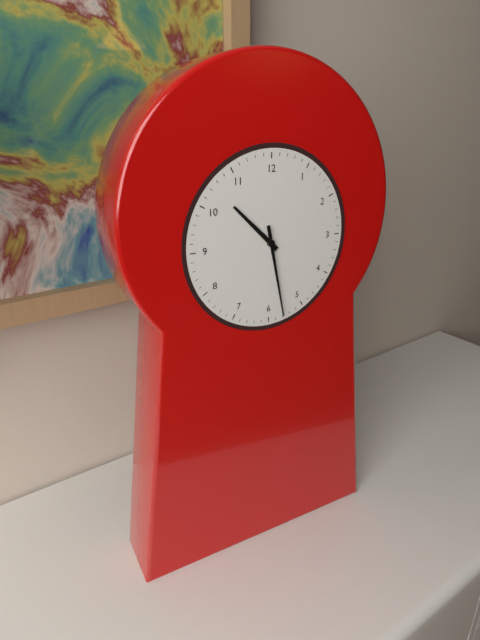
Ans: 10:28
